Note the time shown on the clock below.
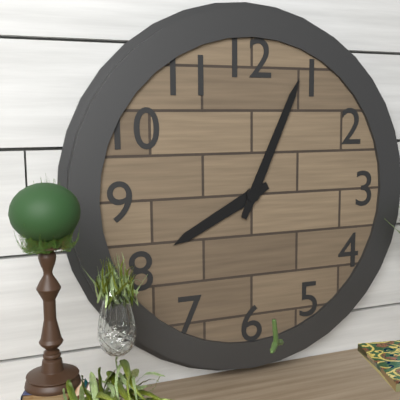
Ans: 8:04
